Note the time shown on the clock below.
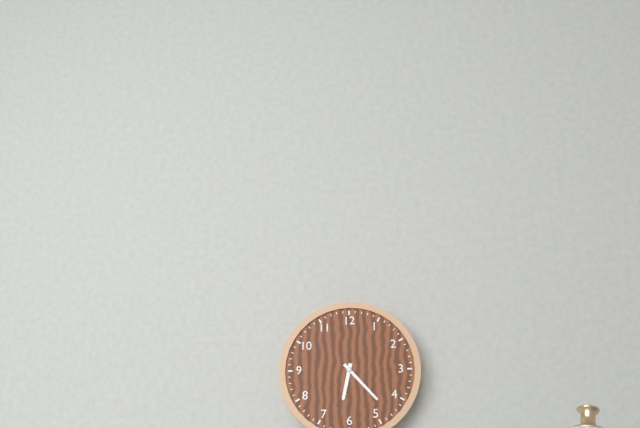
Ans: 6:23
